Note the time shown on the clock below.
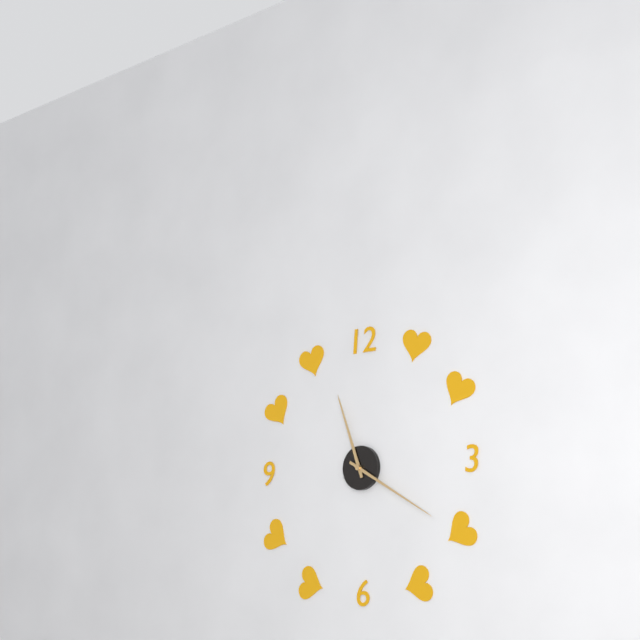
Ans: 11:20
